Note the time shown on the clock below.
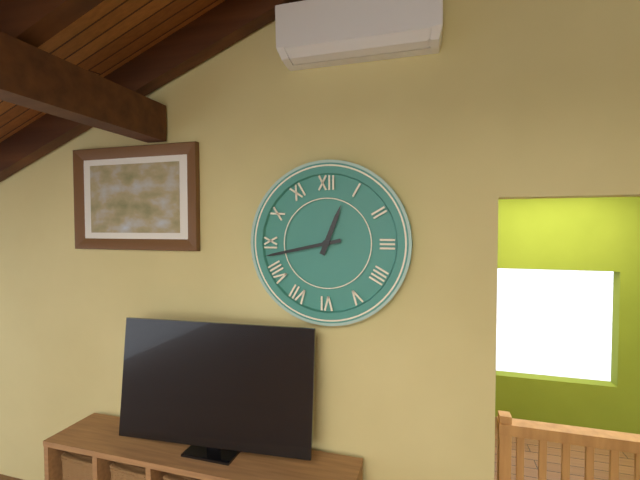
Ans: 12:43
